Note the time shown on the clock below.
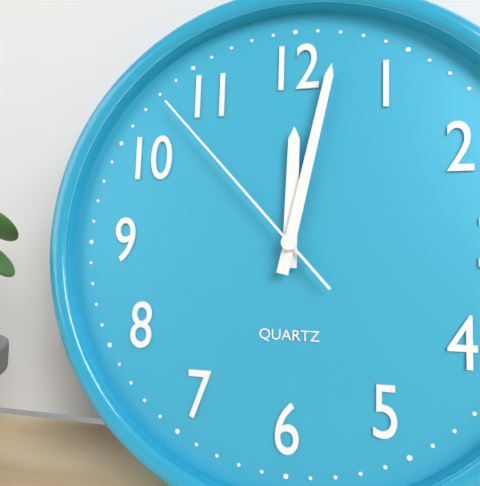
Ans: 12:02:53
